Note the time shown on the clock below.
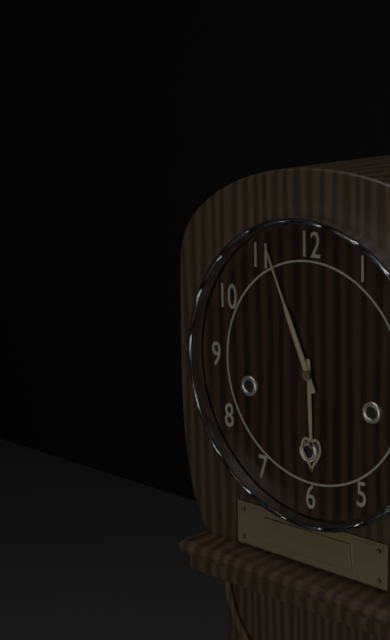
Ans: 5:56
